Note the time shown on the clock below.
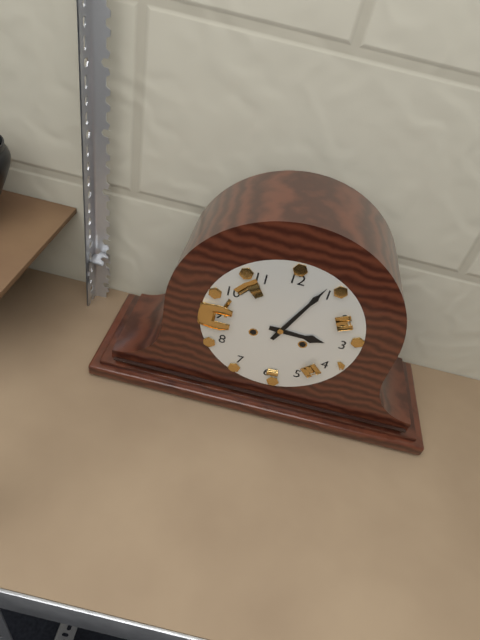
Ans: 3:04
